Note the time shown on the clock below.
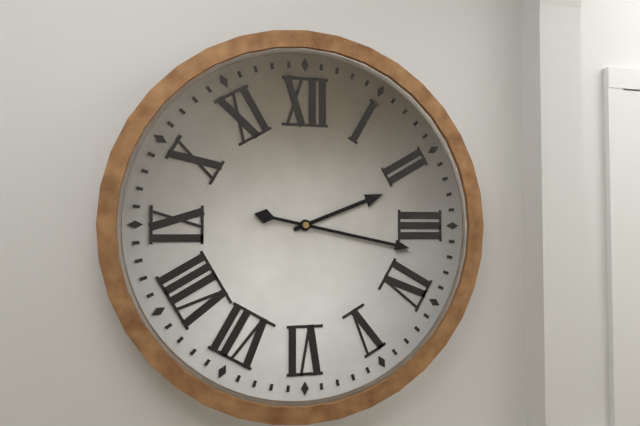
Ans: 2:17
